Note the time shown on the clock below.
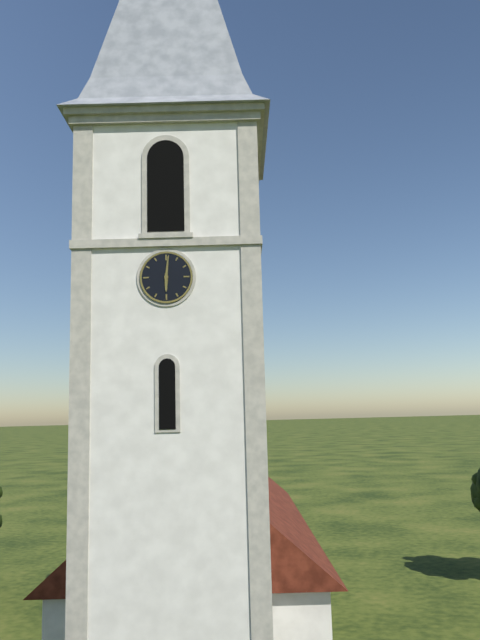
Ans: 6:01
